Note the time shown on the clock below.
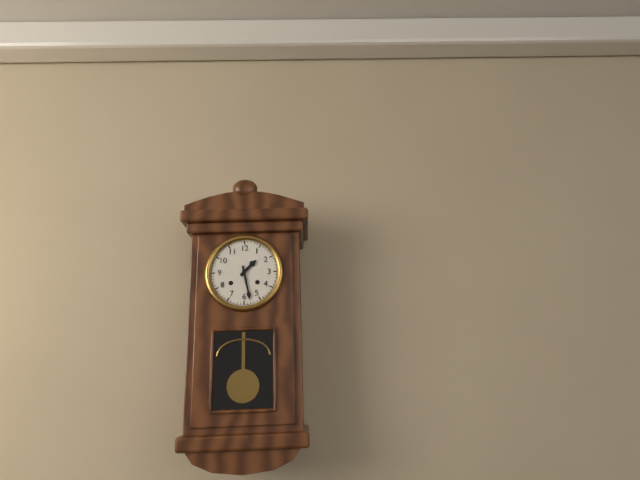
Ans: 1:28
